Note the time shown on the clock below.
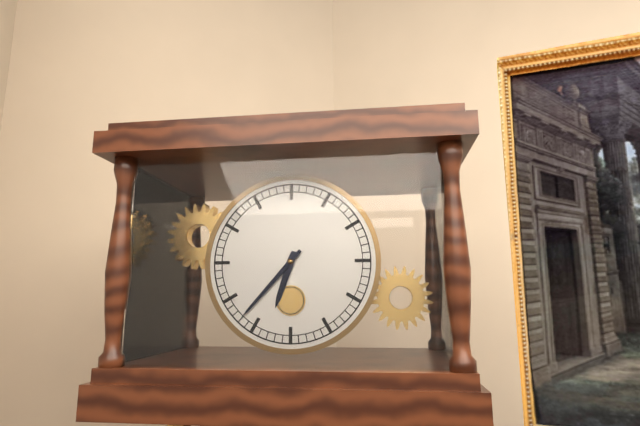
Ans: 6:37
